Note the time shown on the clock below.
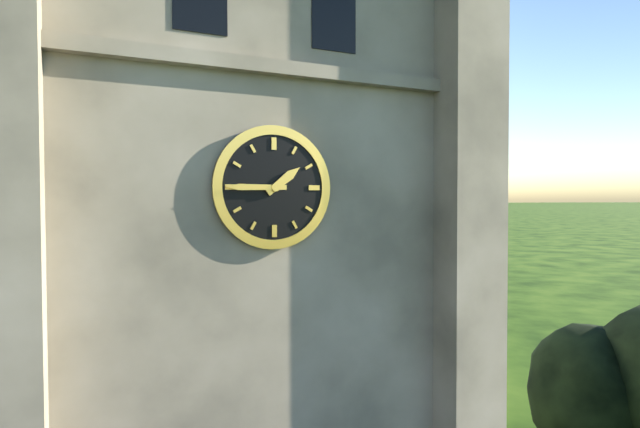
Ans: 1:45
